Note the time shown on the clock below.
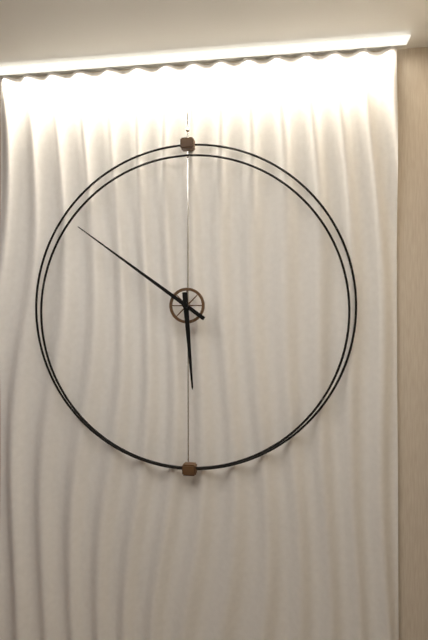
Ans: 5:51
